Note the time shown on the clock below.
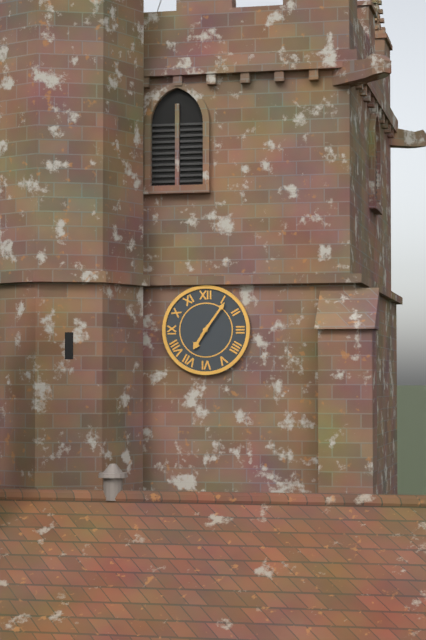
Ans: 7:06
